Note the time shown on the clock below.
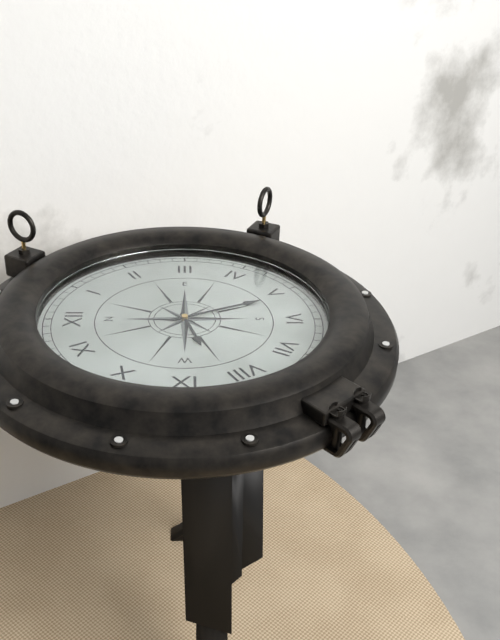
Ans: 8:26
